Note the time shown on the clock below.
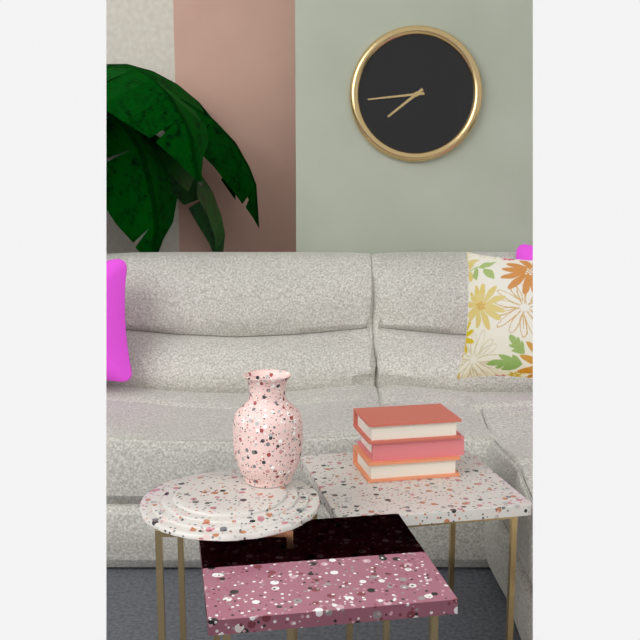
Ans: 7:44
